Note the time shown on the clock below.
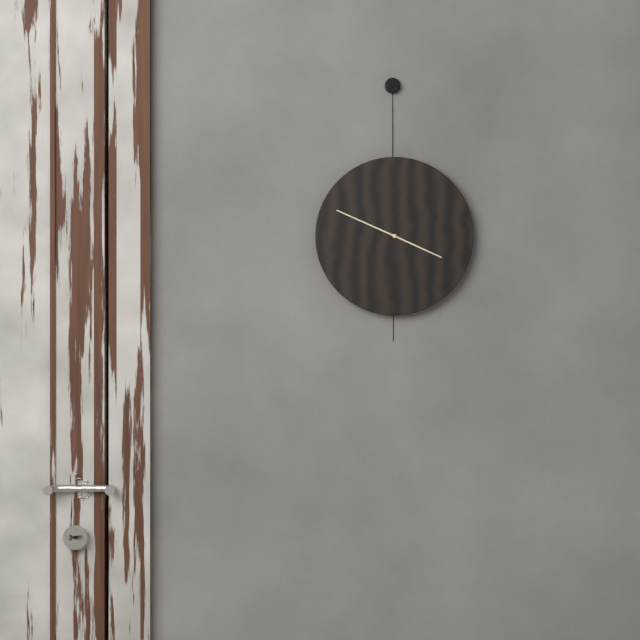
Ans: 3:49
